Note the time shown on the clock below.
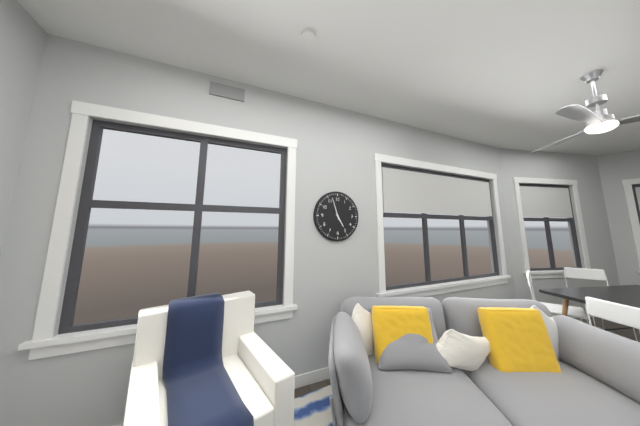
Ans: 4:57
